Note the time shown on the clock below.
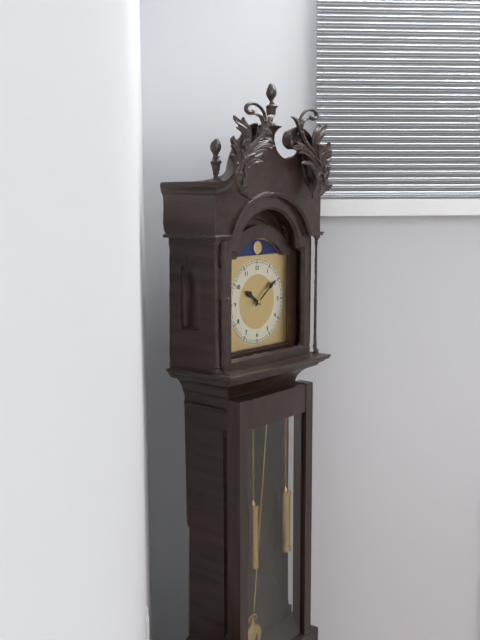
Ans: 10:09
